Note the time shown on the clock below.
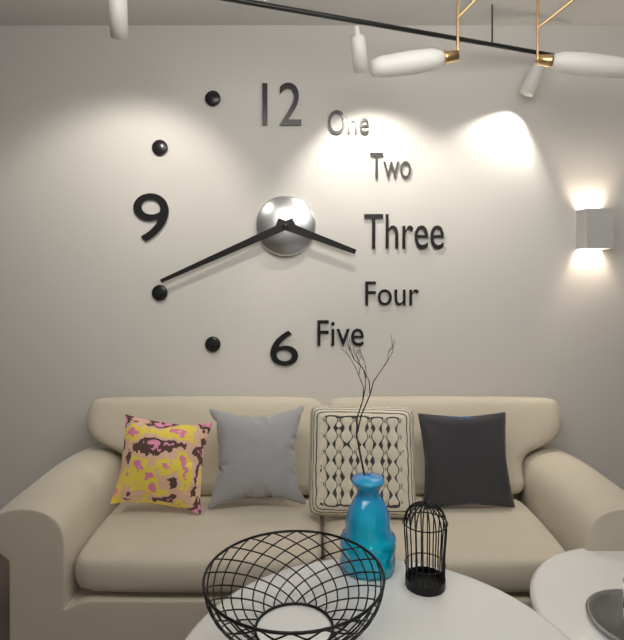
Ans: 3:41
